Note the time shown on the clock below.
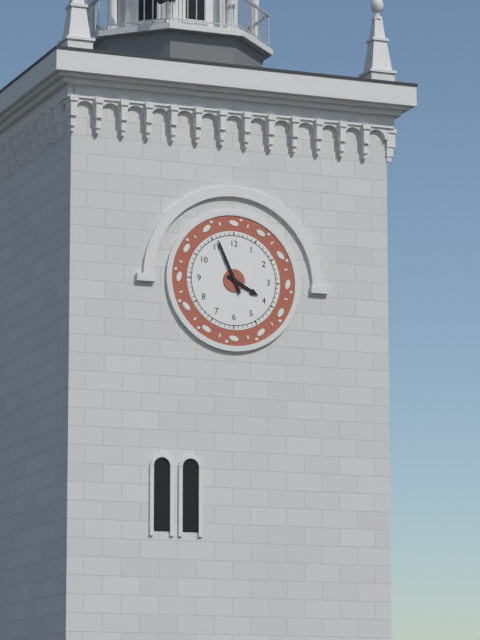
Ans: 3:56
